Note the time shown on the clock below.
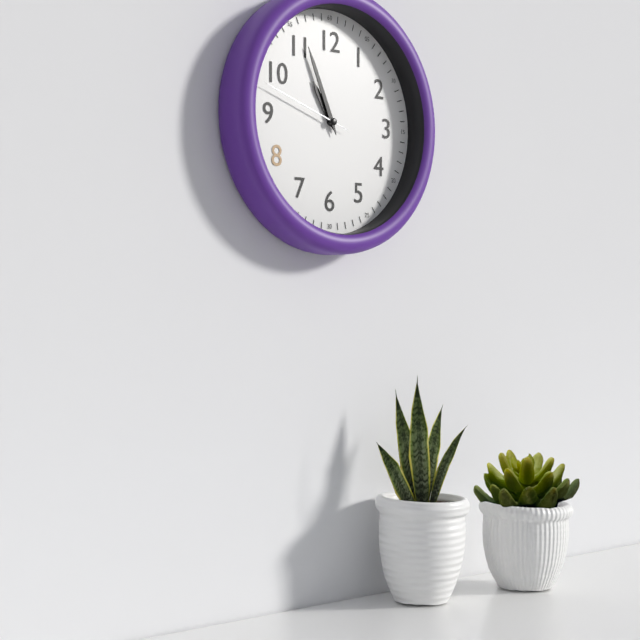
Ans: 10:56:48
